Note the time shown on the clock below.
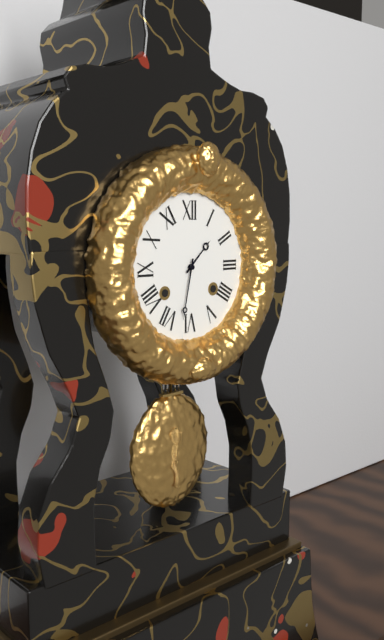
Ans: 1:32
